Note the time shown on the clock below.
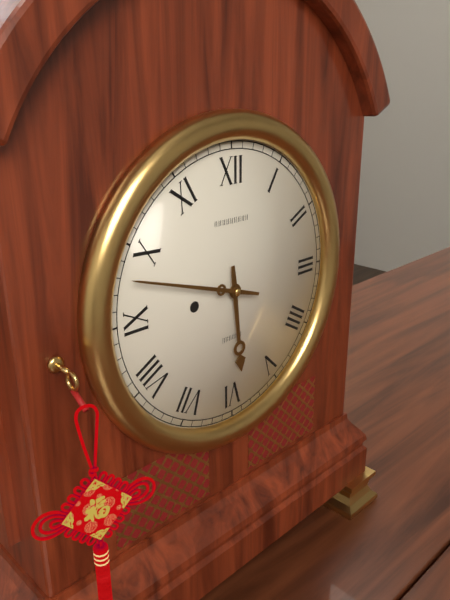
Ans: 5:48
